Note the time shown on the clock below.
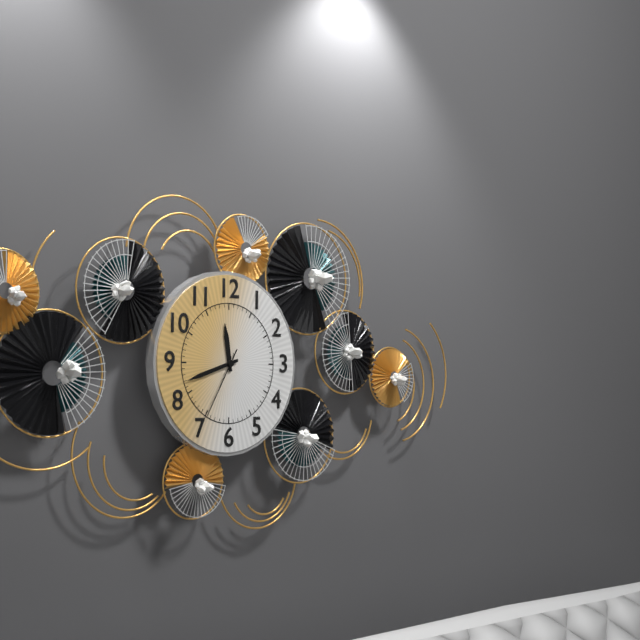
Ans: 11:42:35
